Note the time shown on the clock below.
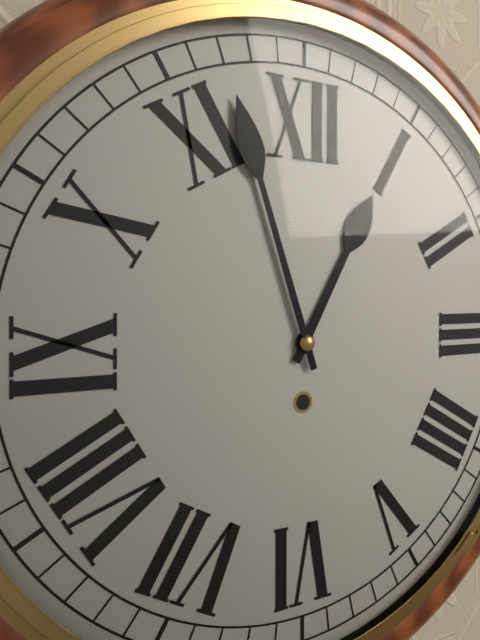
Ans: 12:57
